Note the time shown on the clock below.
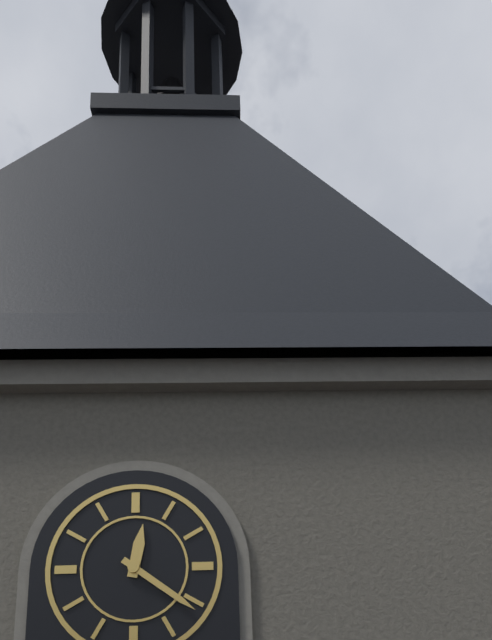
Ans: 12:21
